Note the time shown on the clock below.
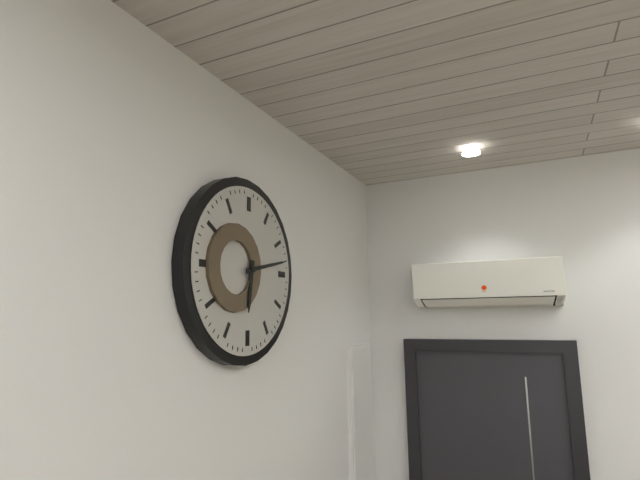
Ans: 6:13
